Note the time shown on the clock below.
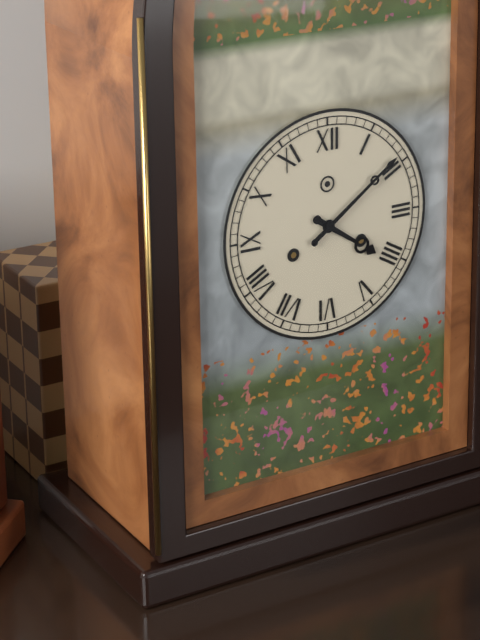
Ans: 4:09
